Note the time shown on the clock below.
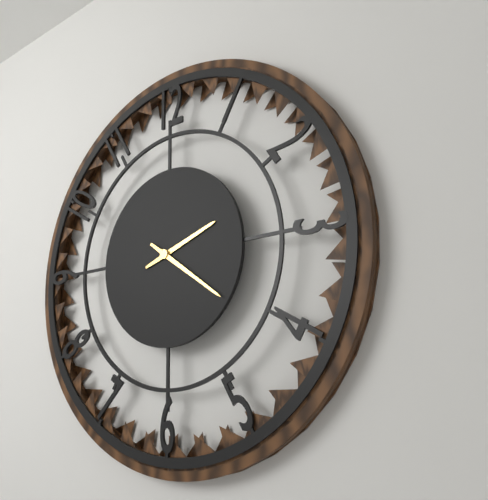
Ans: 2:21
